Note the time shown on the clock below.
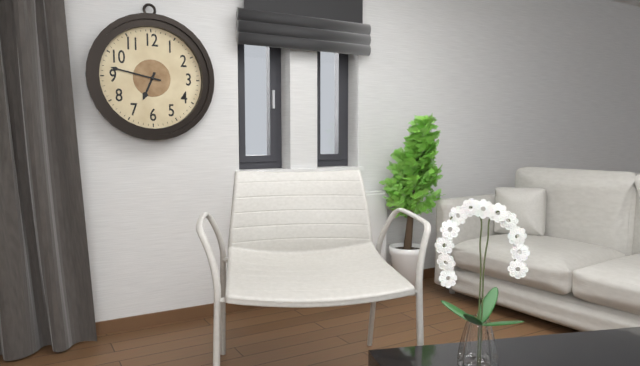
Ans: 6:47
